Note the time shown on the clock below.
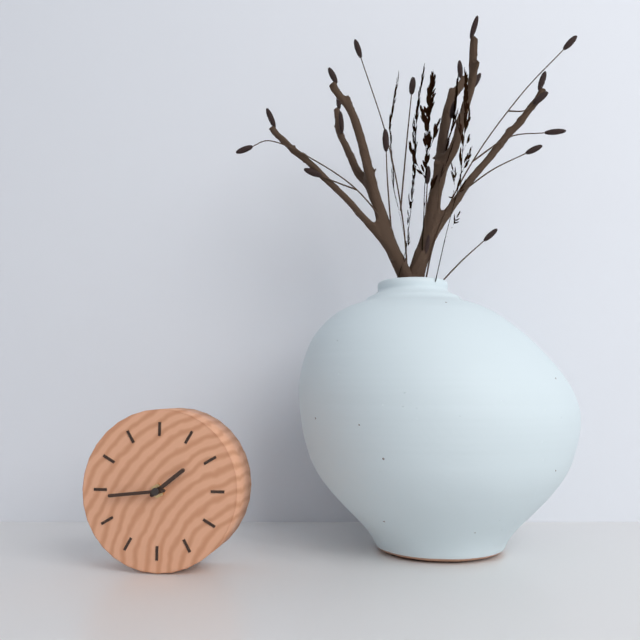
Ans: 1:44
